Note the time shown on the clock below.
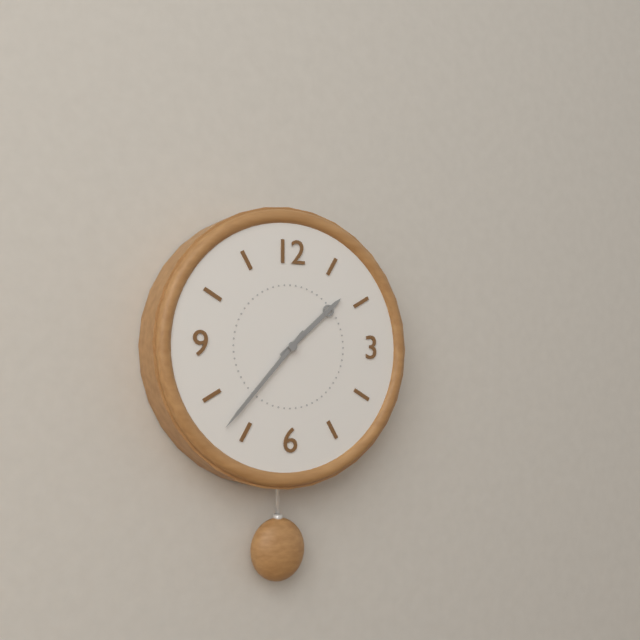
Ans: 1:37
